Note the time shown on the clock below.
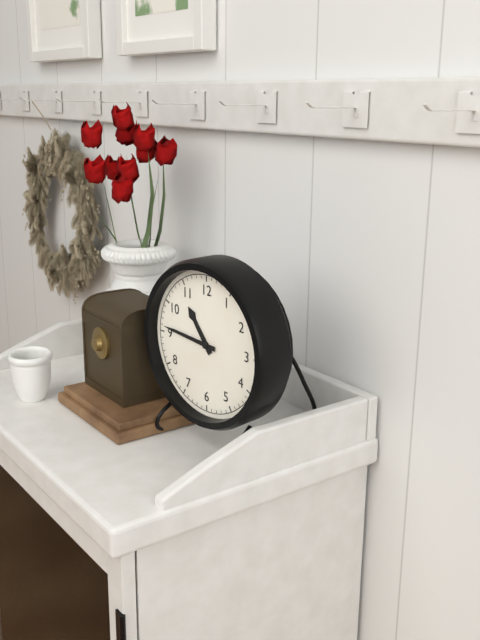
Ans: 10:46
